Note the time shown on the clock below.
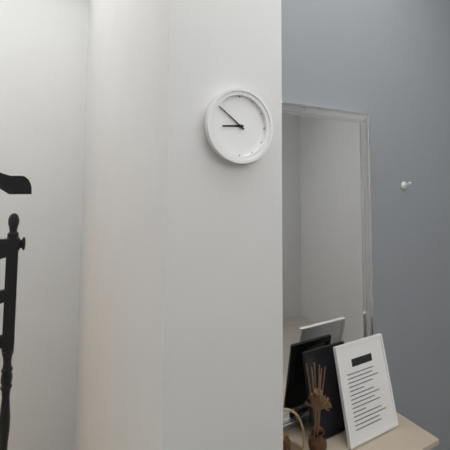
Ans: 8:51
